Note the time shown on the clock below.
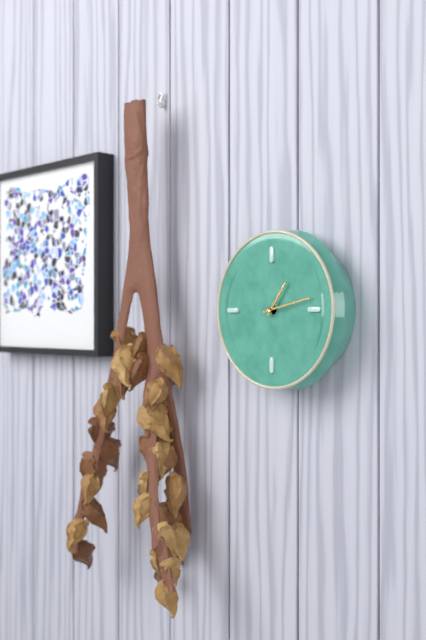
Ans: 1:13
